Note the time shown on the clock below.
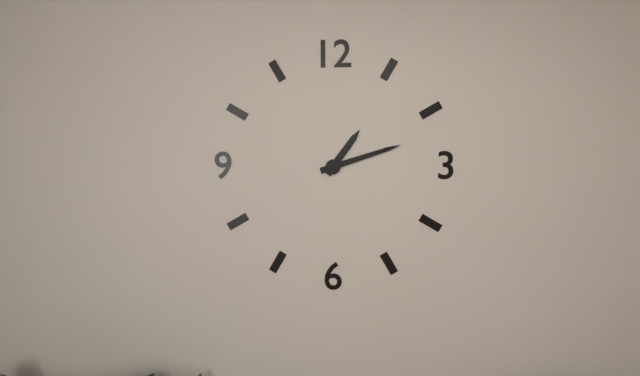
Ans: 1:12
